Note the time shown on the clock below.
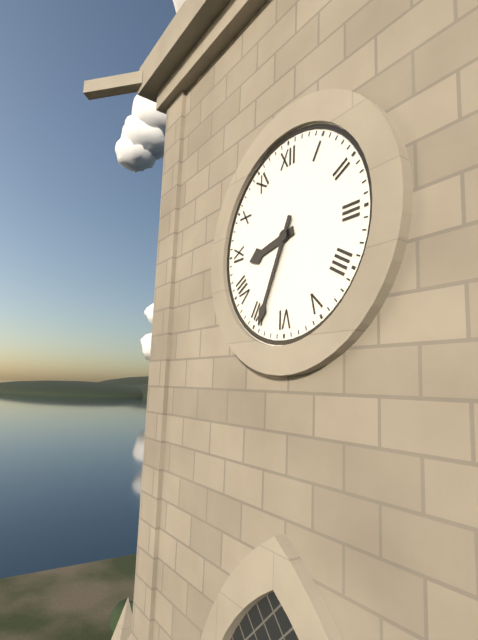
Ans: 8:34
